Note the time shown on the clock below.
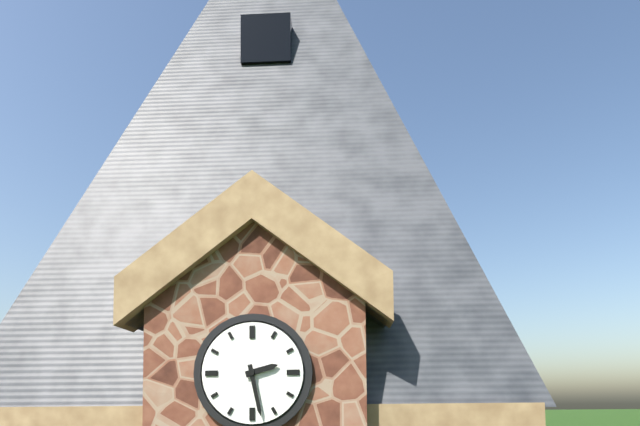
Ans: 2:28
